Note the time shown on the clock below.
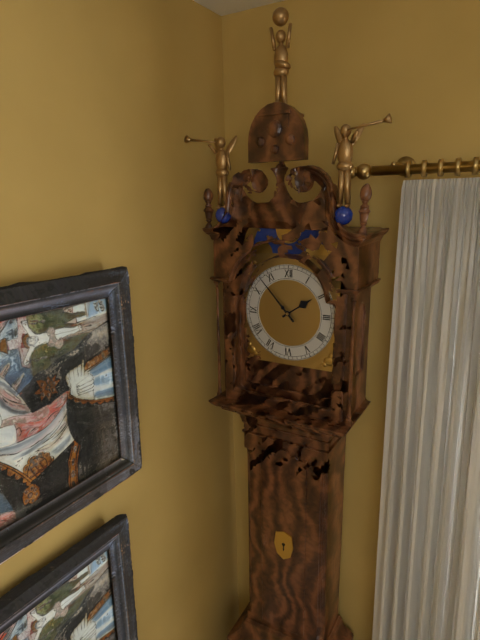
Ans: 1:53
